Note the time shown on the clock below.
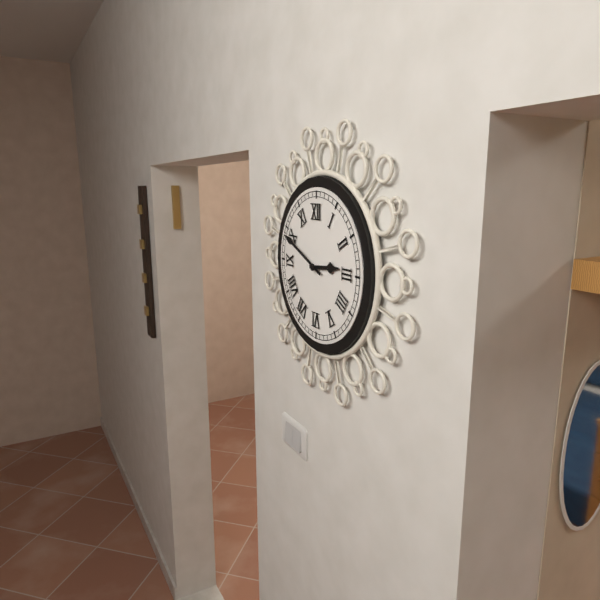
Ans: 2:49
